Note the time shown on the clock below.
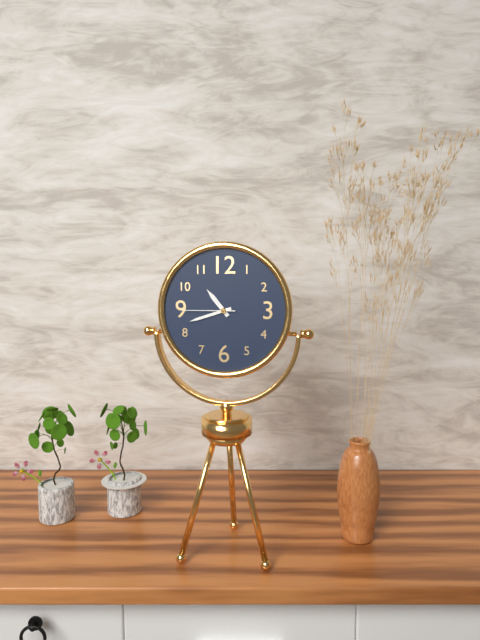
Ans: 10:42:45
